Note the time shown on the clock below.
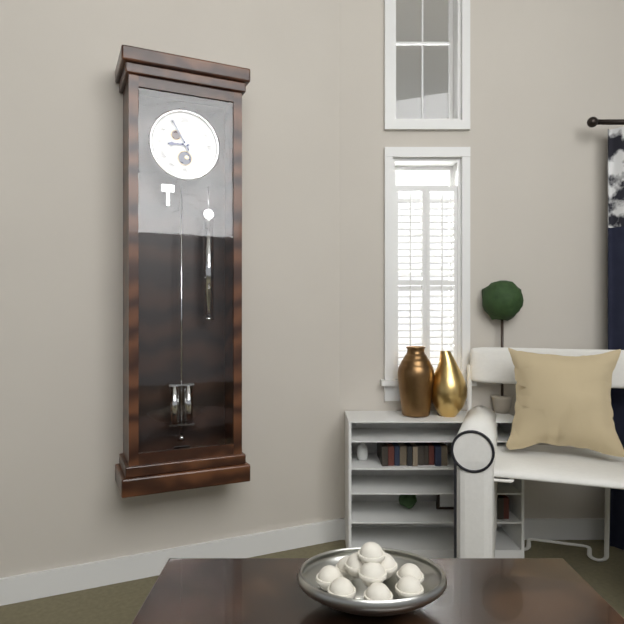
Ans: 8:55
